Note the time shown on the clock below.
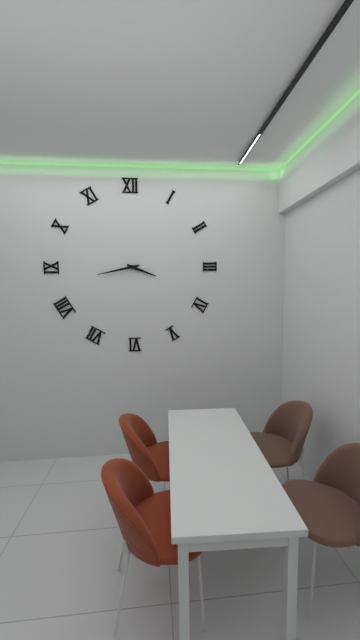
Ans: 3:43
